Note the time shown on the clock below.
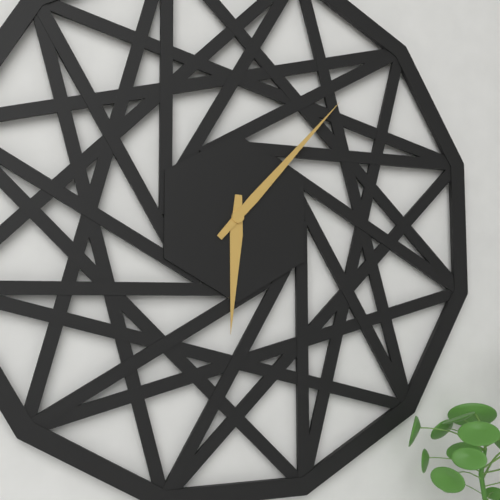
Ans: 6:07
